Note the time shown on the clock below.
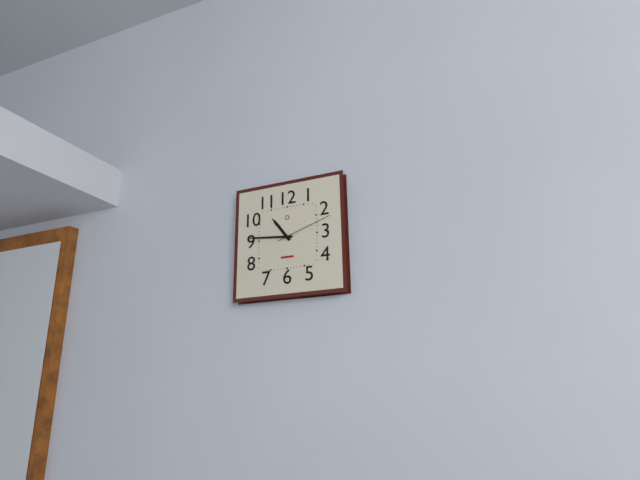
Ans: 10:46:12
